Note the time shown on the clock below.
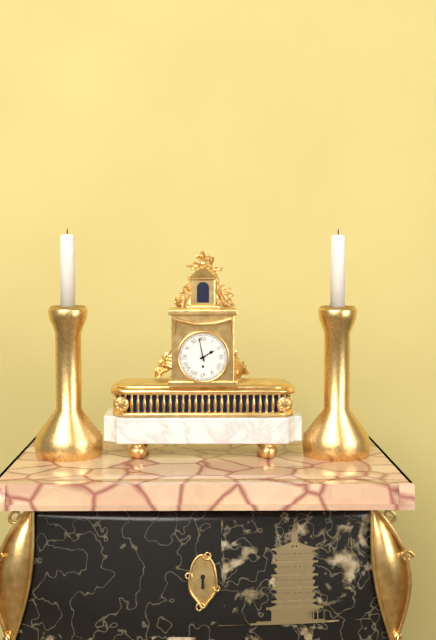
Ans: 1:58
